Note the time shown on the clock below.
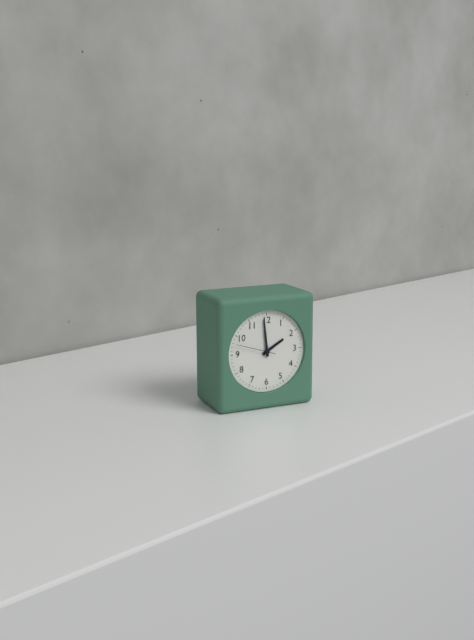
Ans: 1:59
